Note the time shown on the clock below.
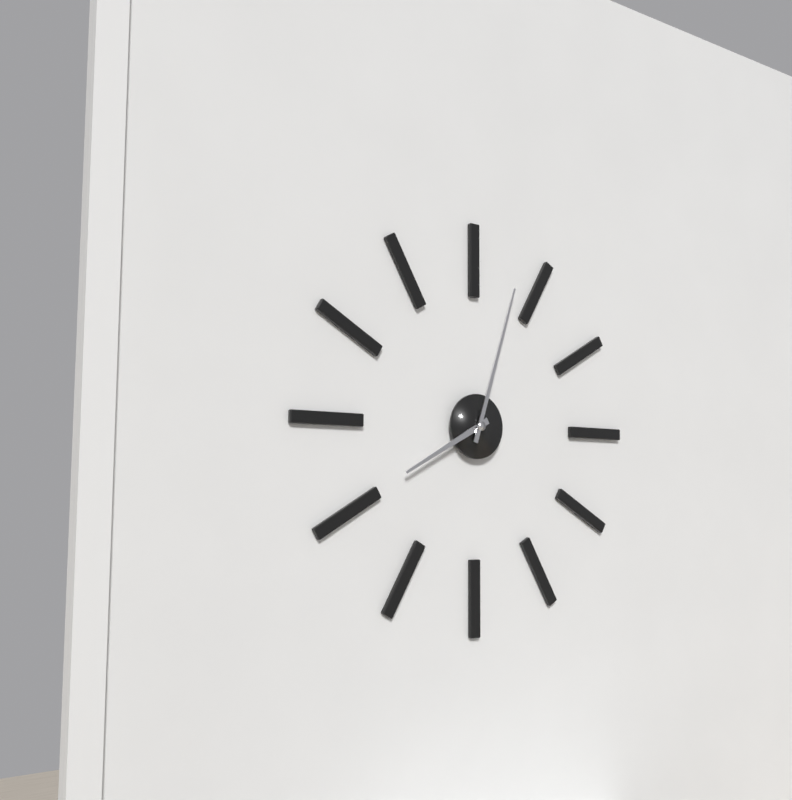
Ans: 8:03
